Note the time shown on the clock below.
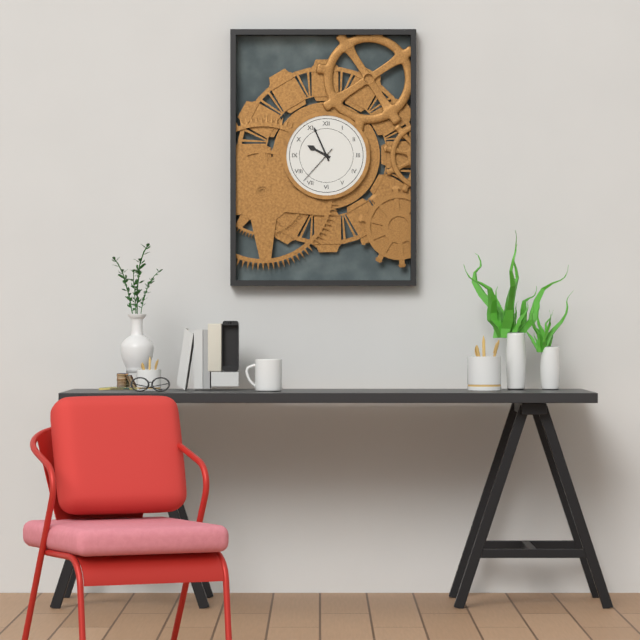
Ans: 9:56
